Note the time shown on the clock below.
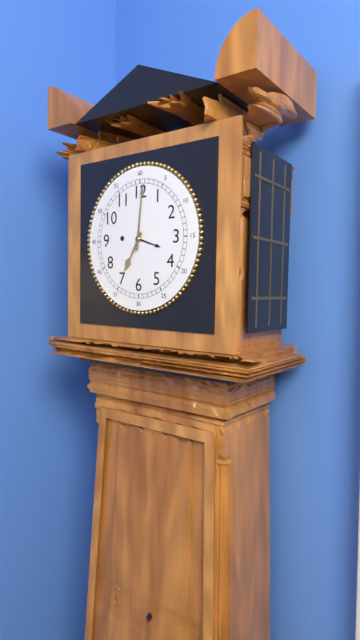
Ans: 7:01
